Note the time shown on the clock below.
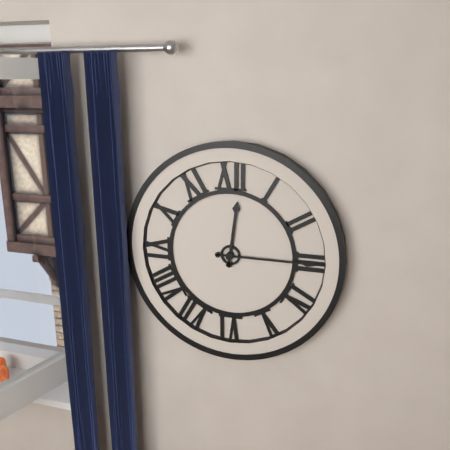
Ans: 12:15
